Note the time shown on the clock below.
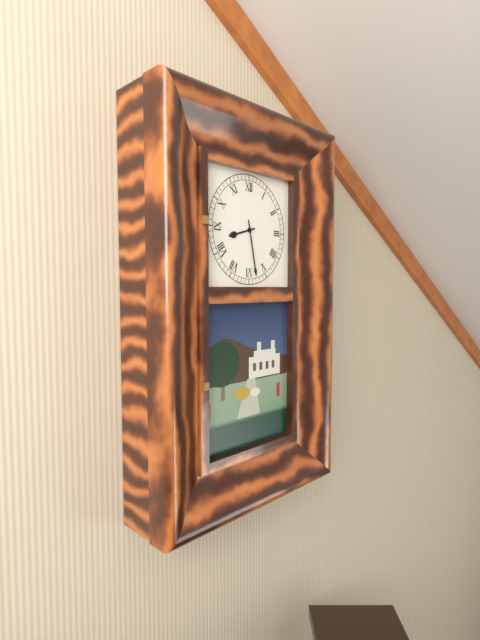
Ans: 8:28
